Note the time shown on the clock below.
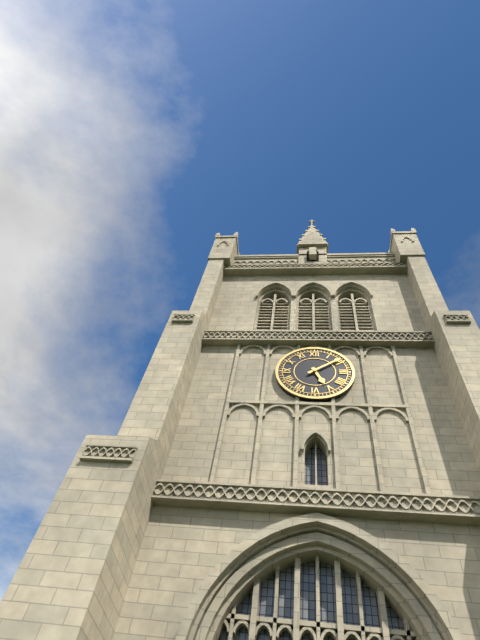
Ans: 5:09
